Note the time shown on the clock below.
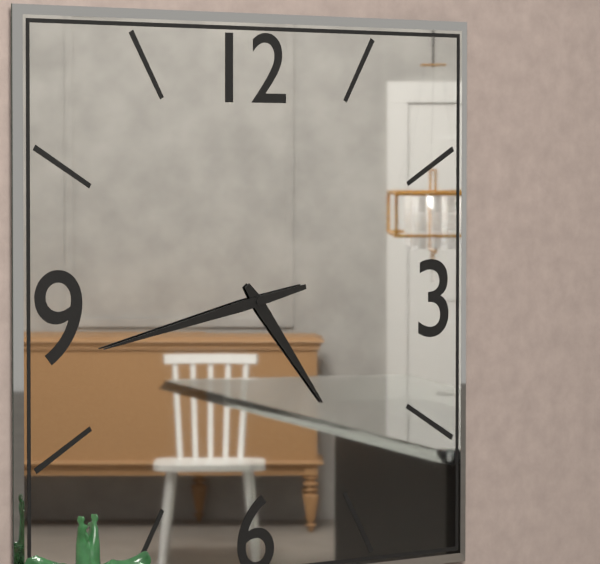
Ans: 4:43
